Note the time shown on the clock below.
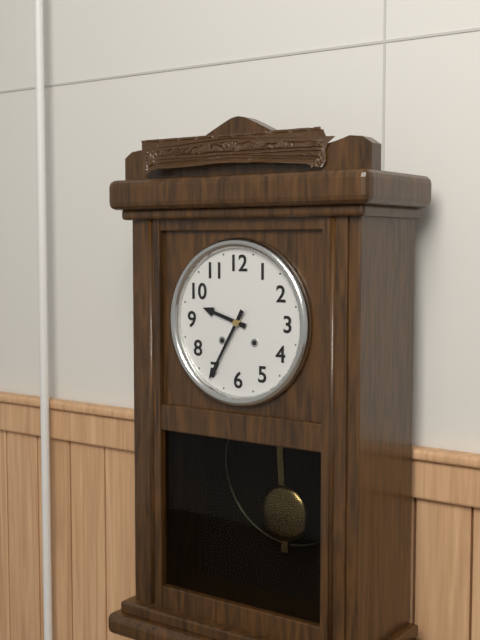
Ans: 9:35
